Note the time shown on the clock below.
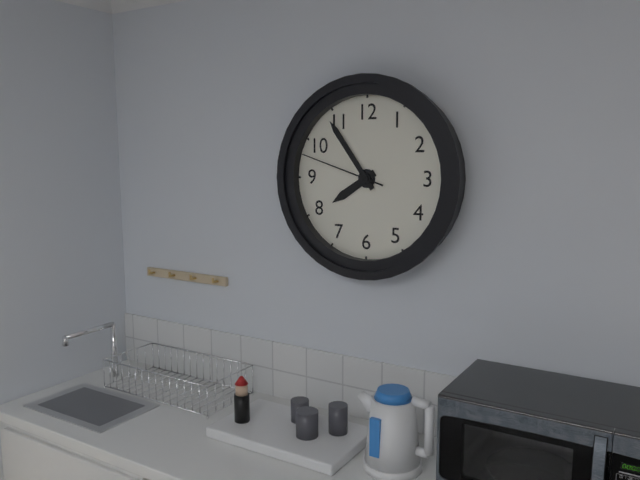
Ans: 7:54:48
